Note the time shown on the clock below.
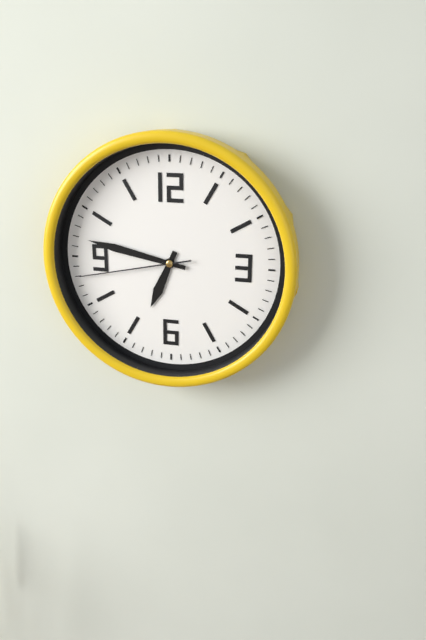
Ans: 6:47:43
